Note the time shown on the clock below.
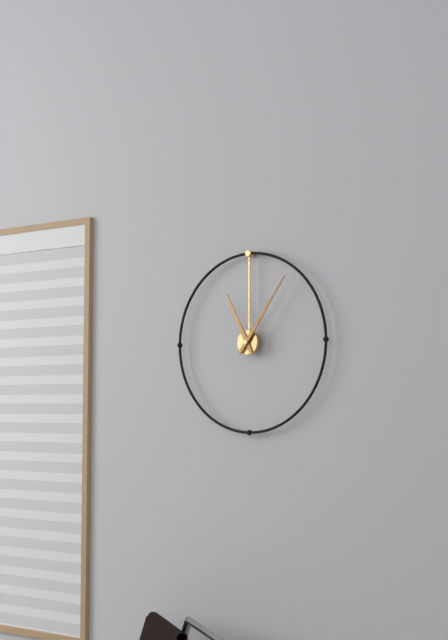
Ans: 11:06
